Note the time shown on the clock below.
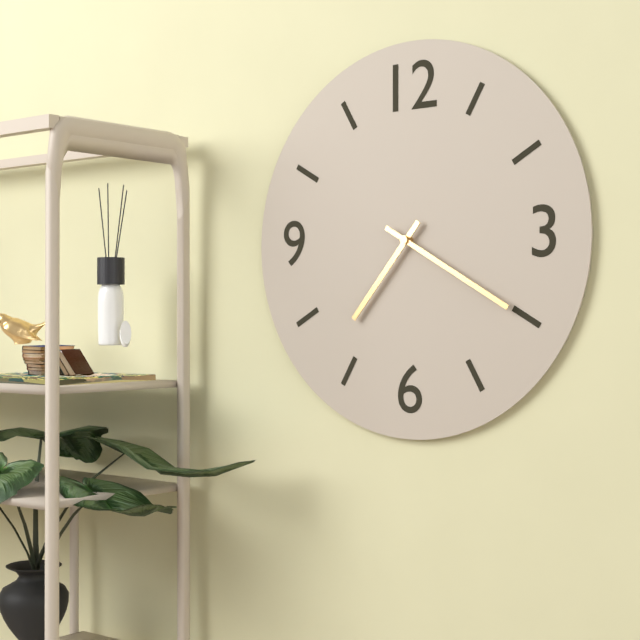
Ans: 7:20
